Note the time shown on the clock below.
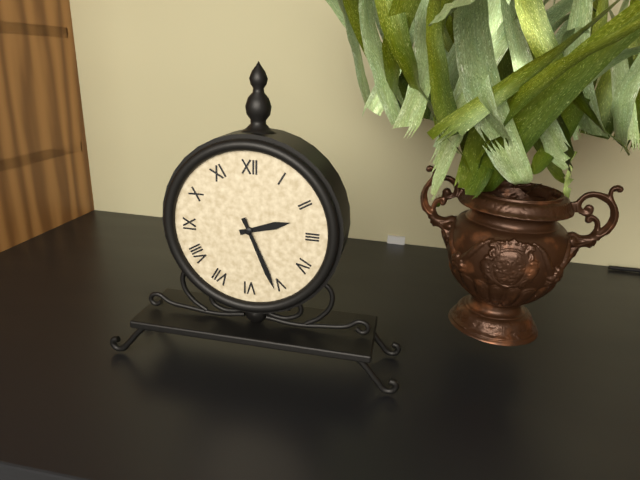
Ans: 2:26
